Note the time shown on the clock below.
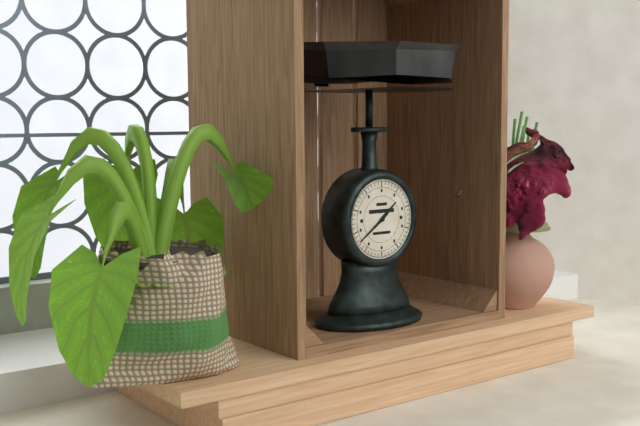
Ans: 1:39
